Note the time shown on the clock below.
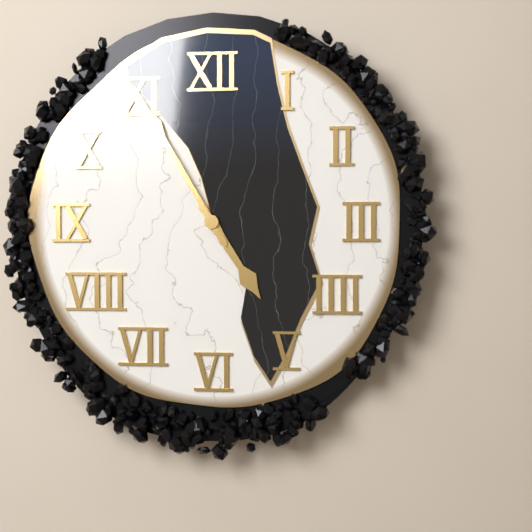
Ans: 4:55
